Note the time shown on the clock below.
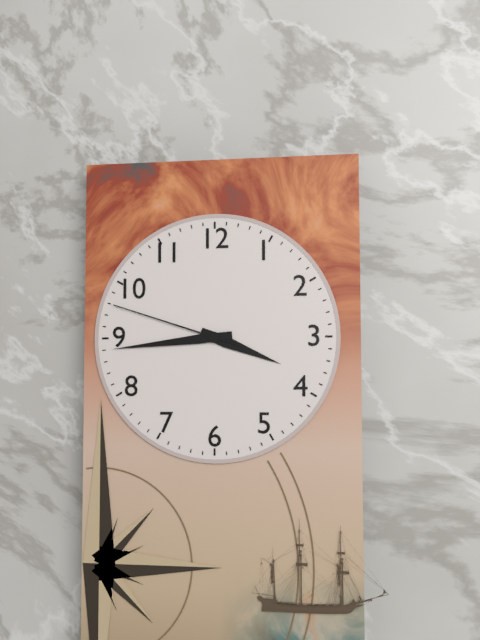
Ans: 3:44:48
